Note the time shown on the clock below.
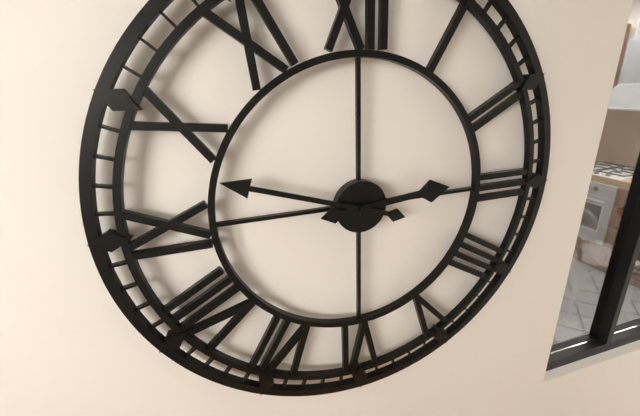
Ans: 2:48
